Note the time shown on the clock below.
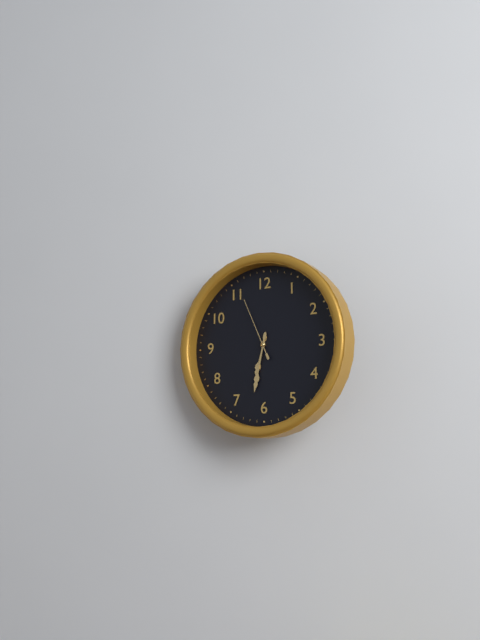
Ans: 6:32:56
